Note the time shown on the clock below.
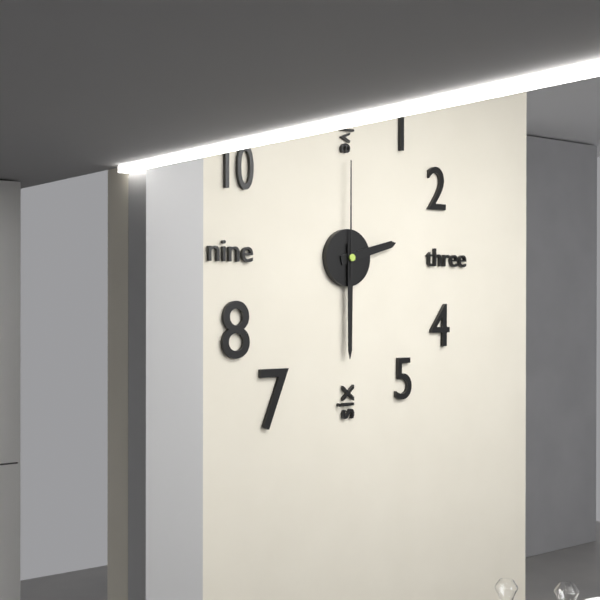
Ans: 2:30:00
